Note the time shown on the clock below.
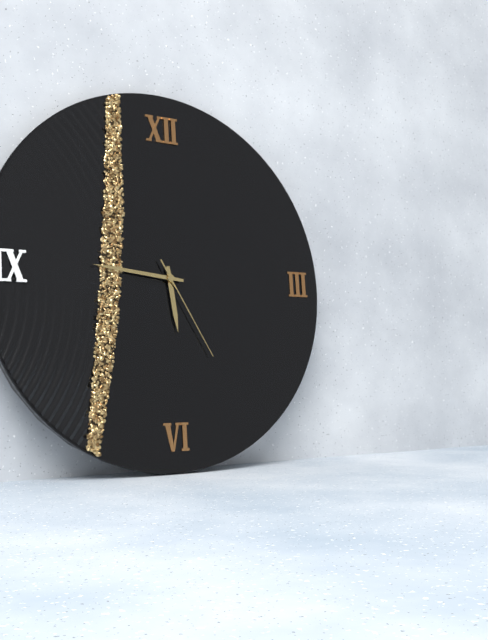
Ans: 5:46:25
